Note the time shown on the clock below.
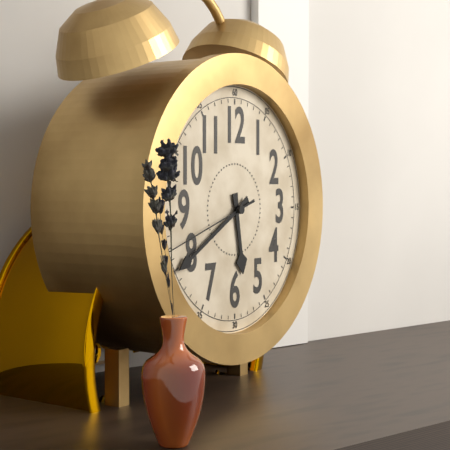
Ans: 5:40:42
